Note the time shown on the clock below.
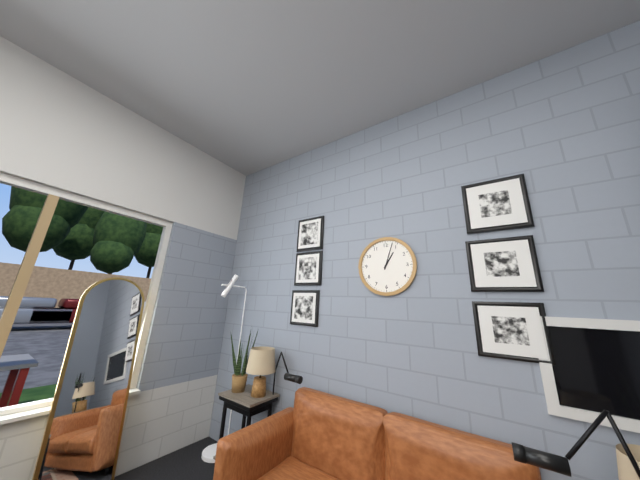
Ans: 1:03
